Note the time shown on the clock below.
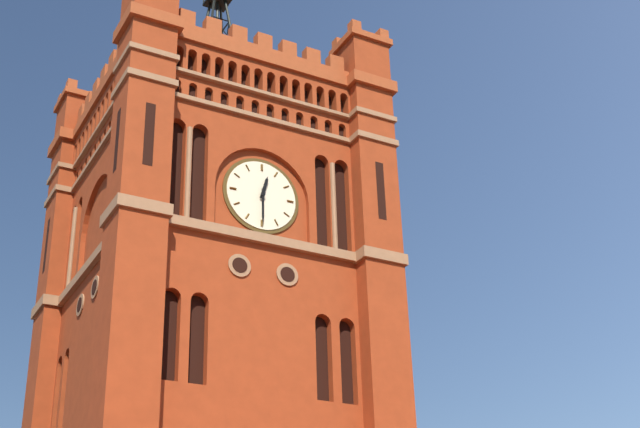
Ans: 12:30
